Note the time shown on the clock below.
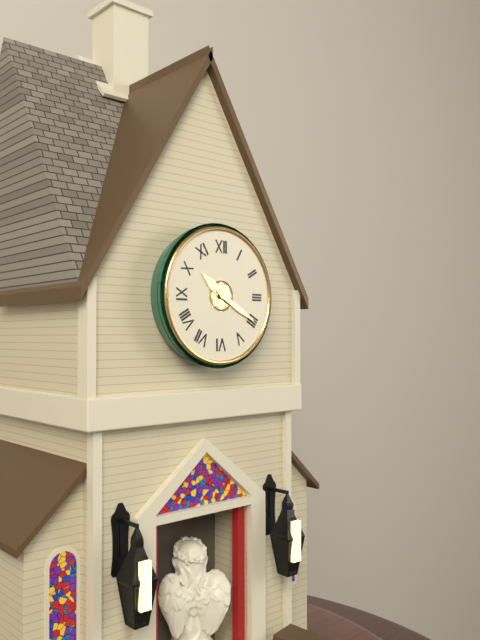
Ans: 10:20
